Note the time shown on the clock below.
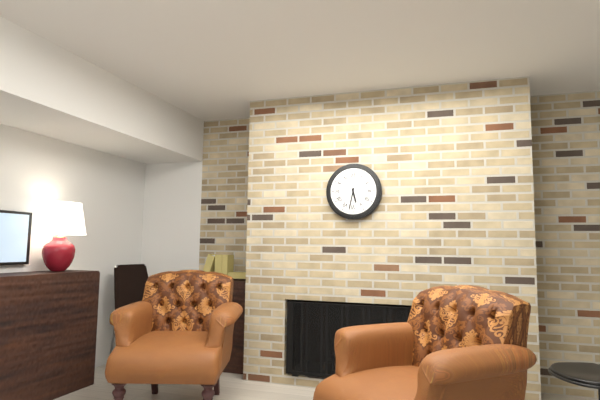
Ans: 5:32
